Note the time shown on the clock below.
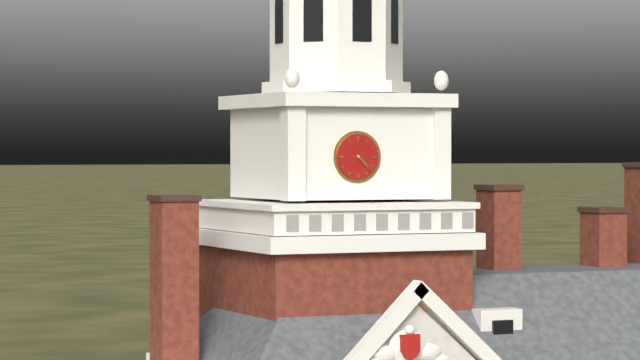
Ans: 4:23
